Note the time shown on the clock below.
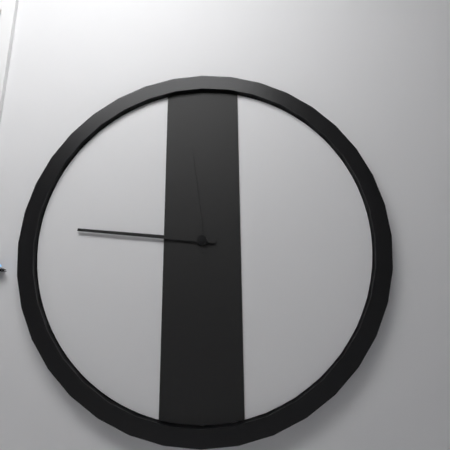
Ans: 11:46
